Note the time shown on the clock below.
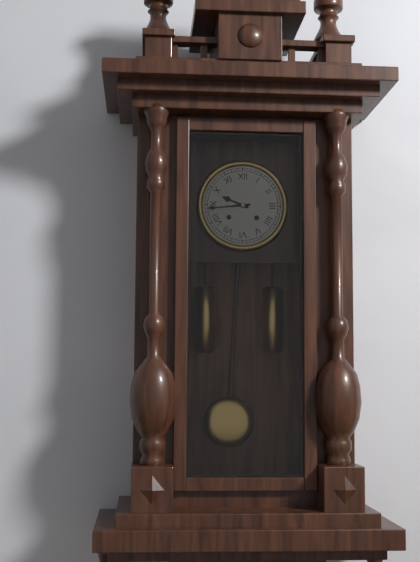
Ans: 9:44
